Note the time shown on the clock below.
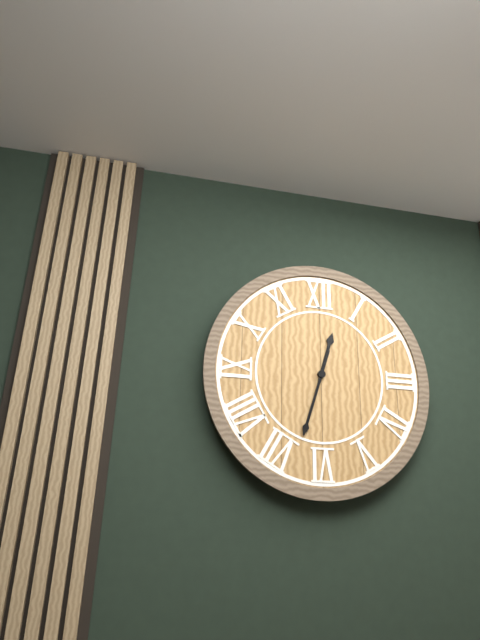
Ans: 12:33
